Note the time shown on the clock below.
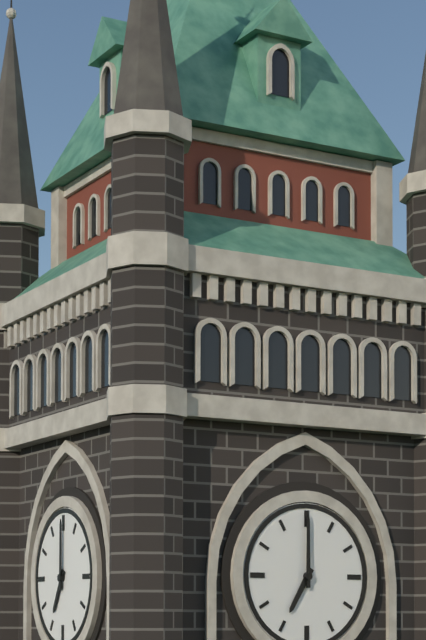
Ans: 7:00
